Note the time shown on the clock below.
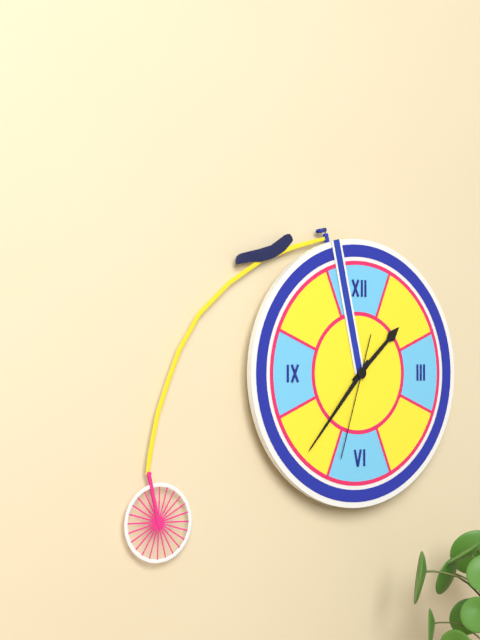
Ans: 1:37:33
